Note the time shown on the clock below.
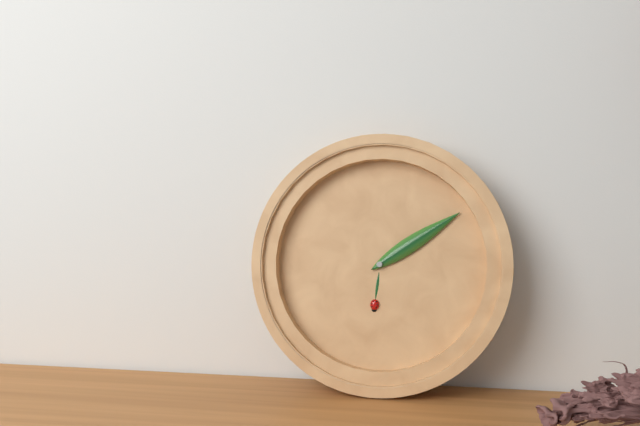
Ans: 6:09
